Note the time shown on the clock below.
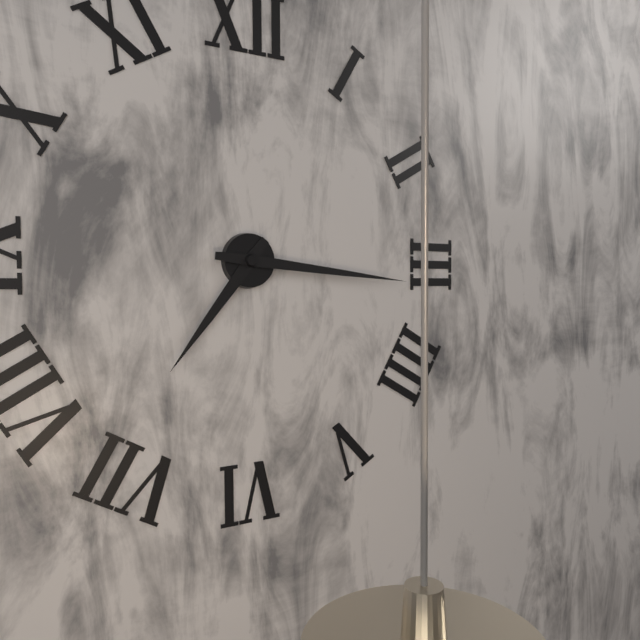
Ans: 7:16
